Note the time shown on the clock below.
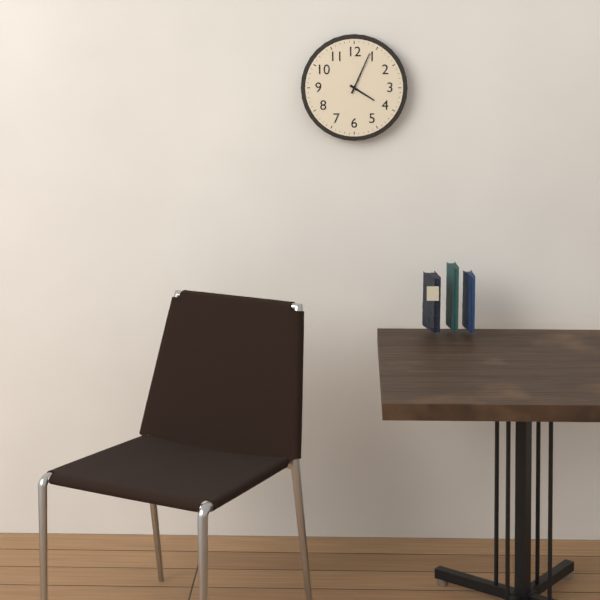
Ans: 4:04
